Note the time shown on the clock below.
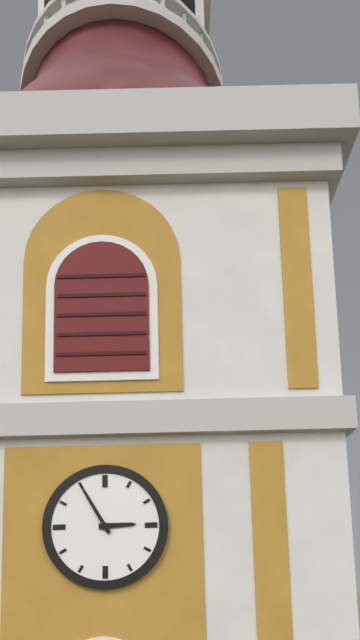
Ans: 2:55
